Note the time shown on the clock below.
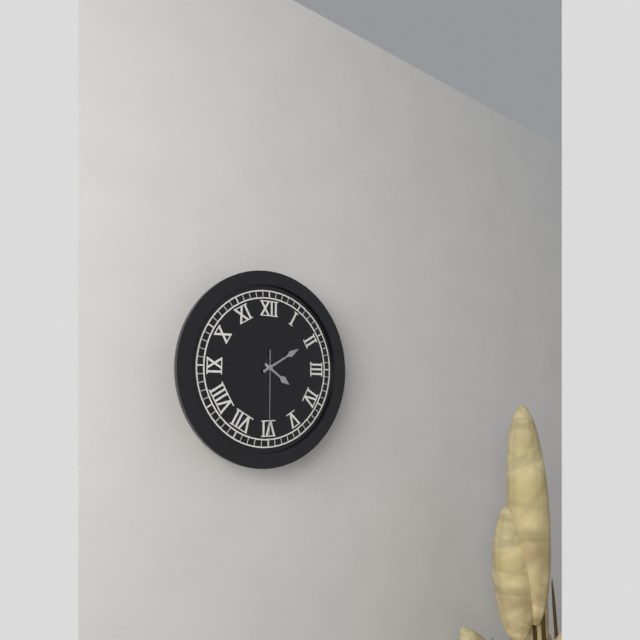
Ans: 4:10:30
